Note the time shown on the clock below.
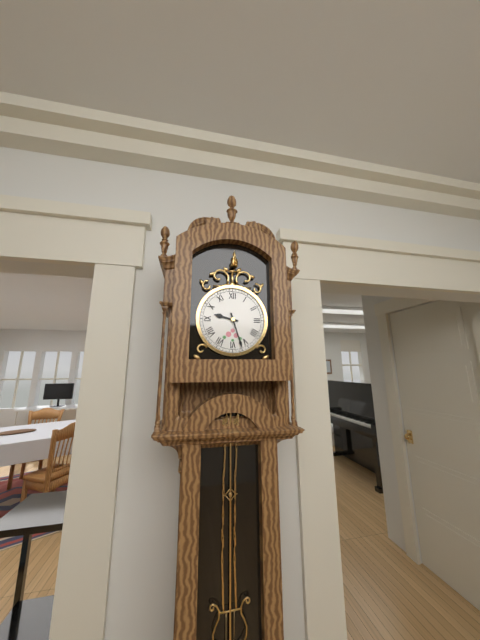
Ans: 9:27
